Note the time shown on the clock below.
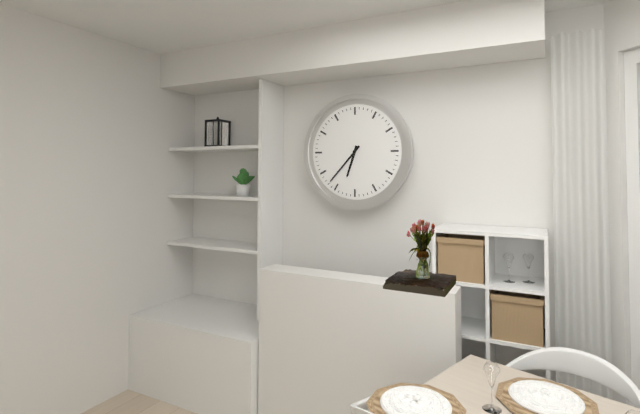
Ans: 6:37
